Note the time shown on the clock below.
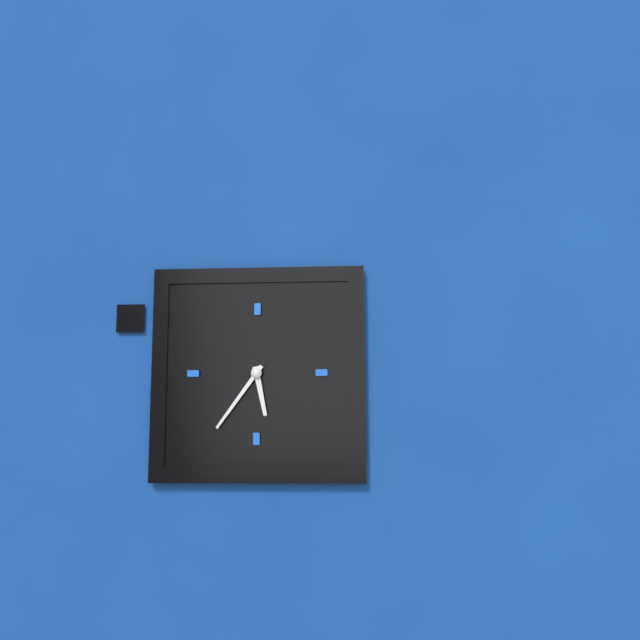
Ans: 5:36
